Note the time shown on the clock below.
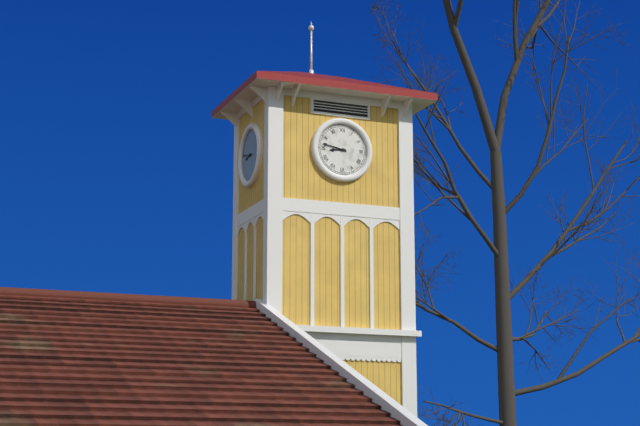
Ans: 8:47
